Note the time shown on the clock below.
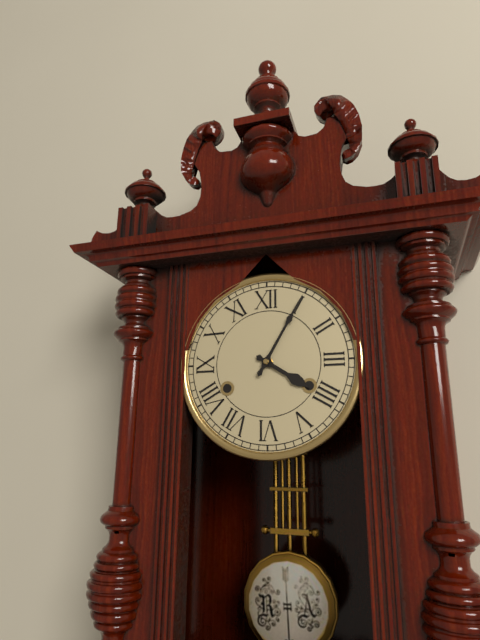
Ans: 4:05
